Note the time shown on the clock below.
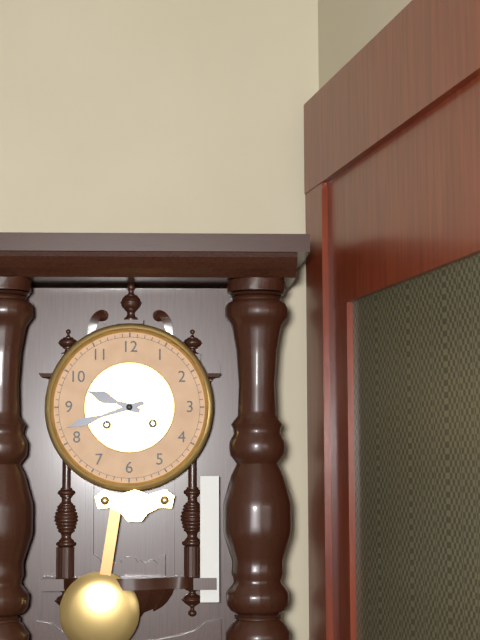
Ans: 9:42
